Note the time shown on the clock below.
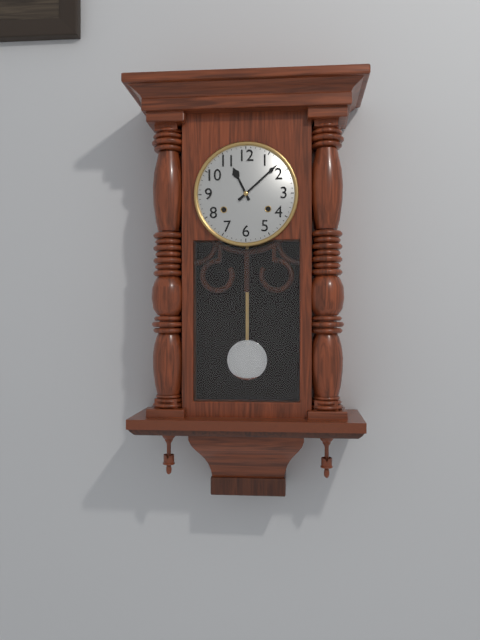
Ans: 11:08
